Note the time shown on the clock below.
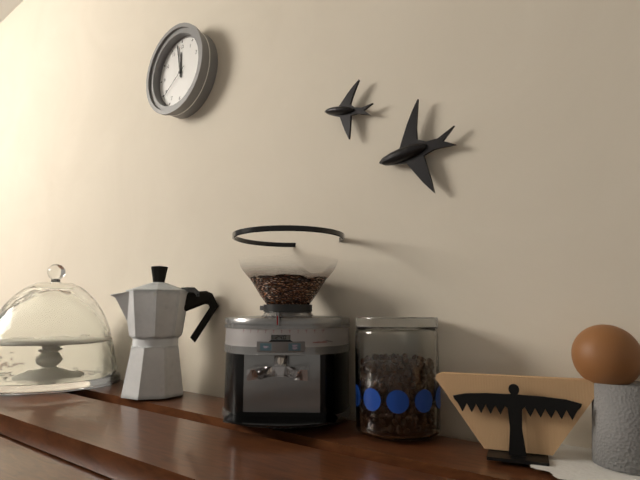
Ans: 11:58
